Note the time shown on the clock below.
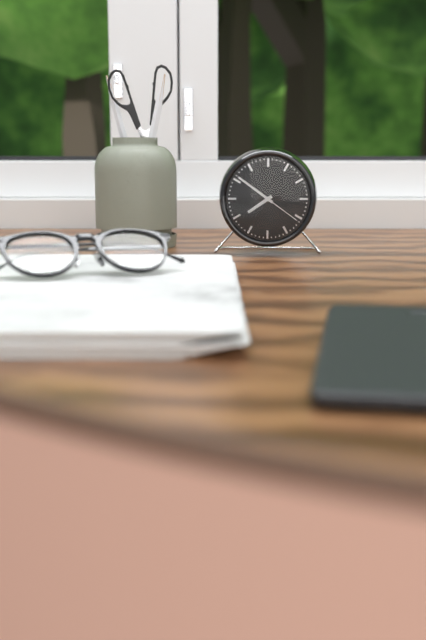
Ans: 7:51
